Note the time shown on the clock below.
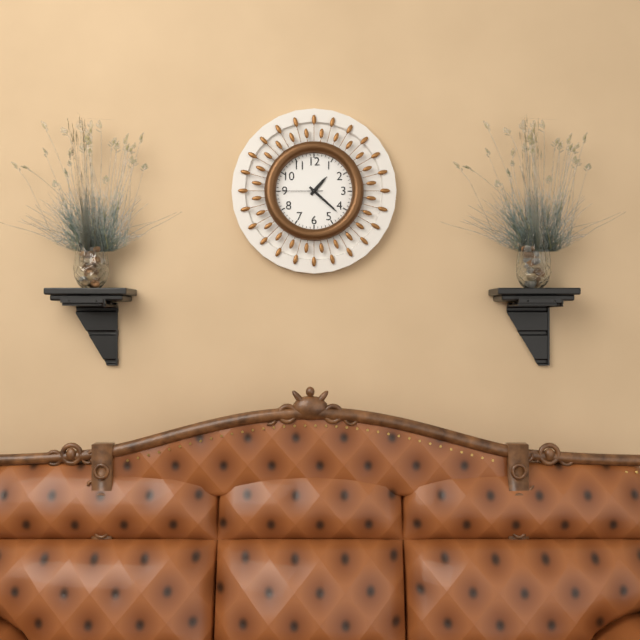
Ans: 1:22
